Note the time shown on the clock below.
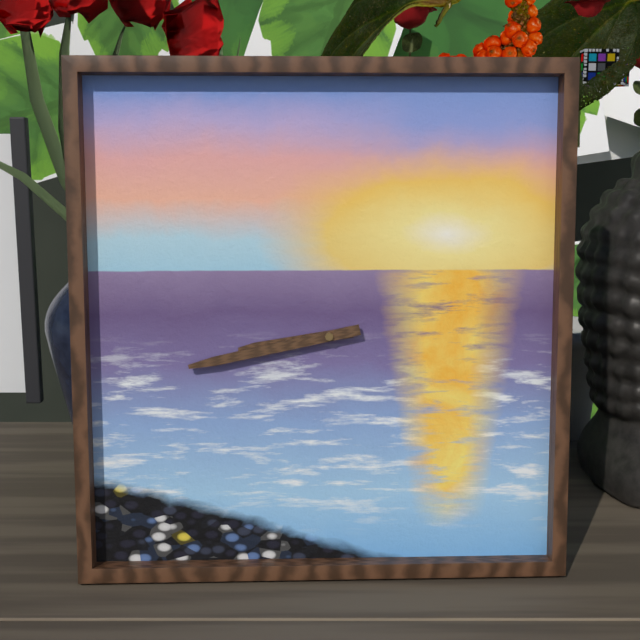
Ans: 8:43
